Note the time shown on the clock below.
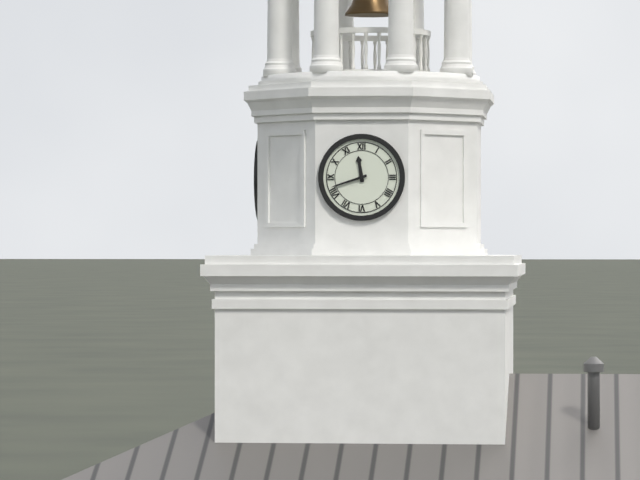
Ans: 11:42
